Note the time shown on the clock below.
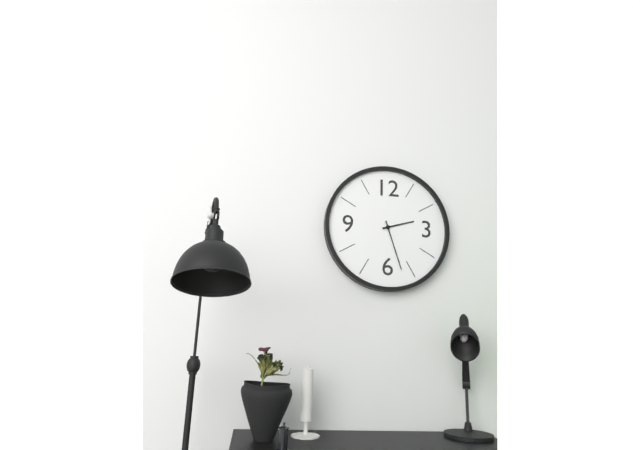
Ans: 2:27
